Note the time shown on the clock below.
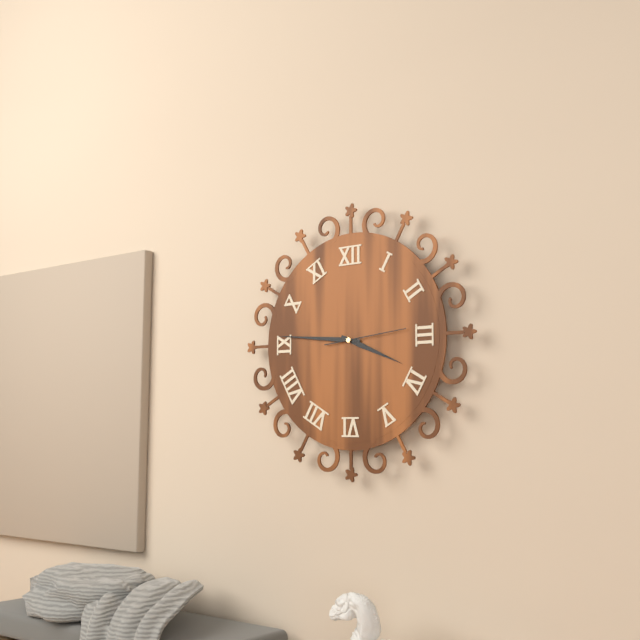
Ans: 3:46:14
